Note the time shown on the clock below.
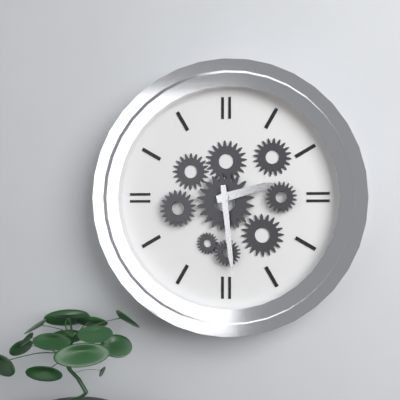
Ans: 2:29
